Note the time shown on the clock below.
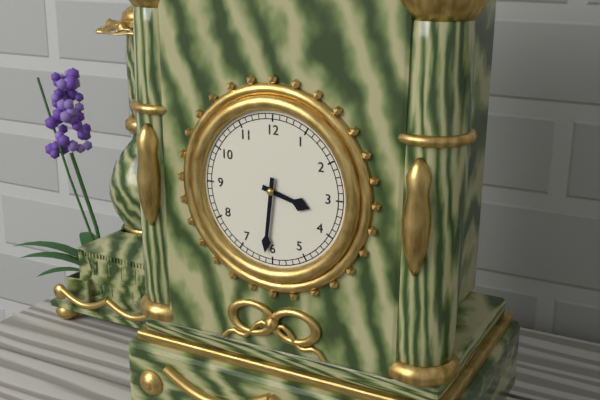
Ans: 3:31
